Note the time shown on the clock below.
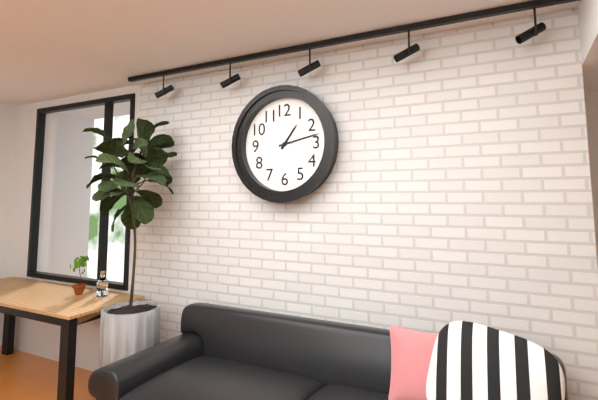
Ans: 1:13
